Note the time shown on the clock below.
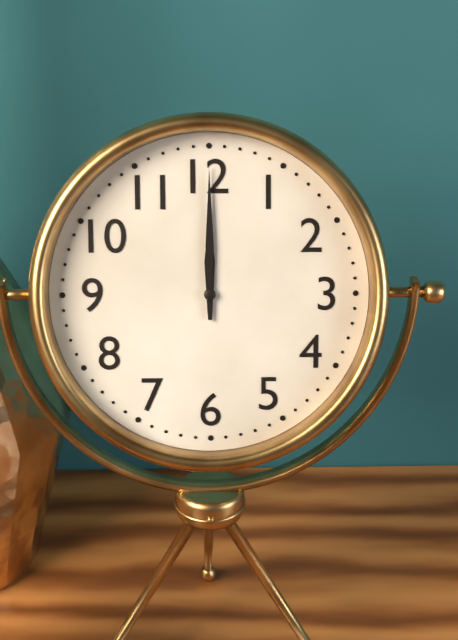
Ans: 12:00
